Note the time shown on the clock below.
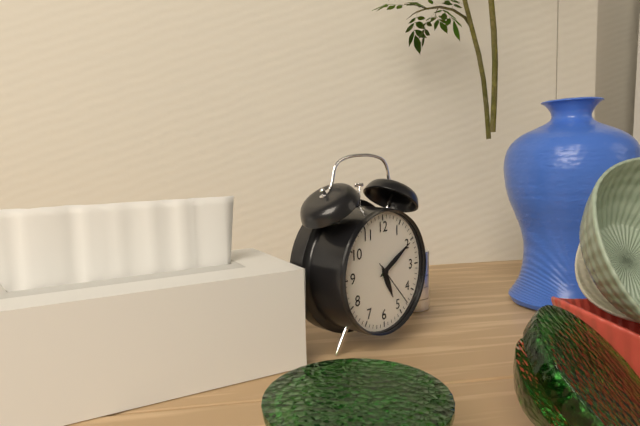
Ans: 5:10
